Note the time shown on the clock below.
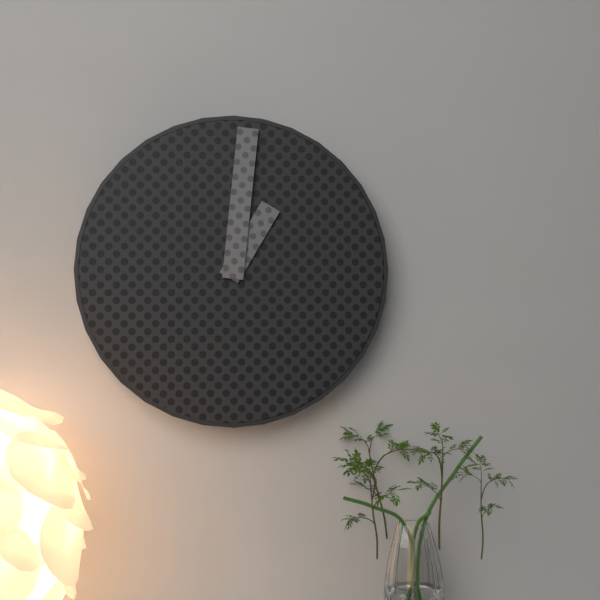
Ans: 1:01
